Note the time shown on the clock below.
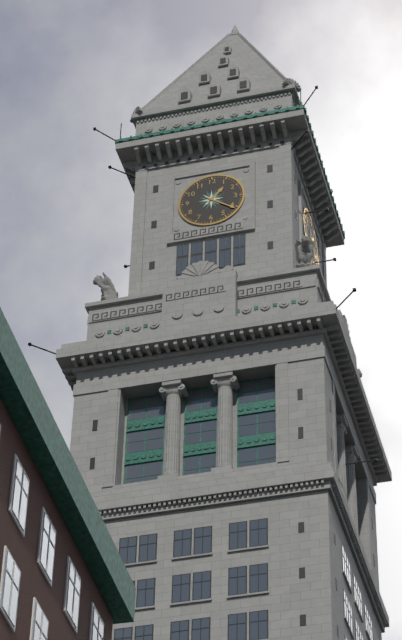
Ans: 1:21
